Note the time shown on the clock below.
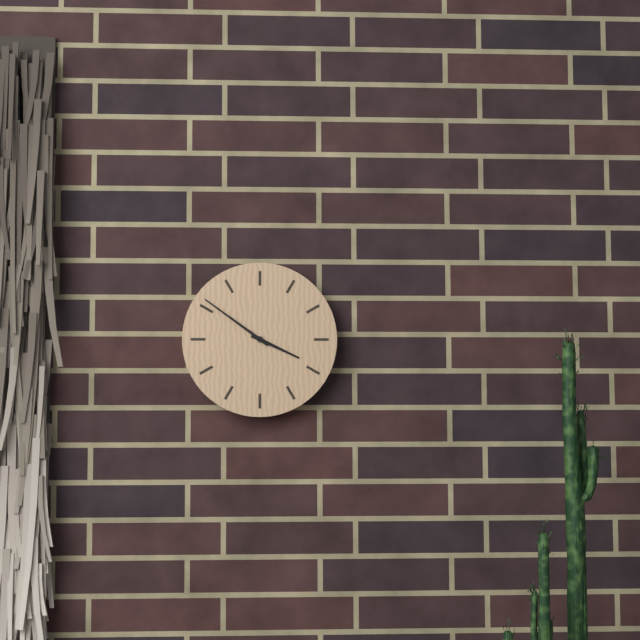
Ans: 3:51
